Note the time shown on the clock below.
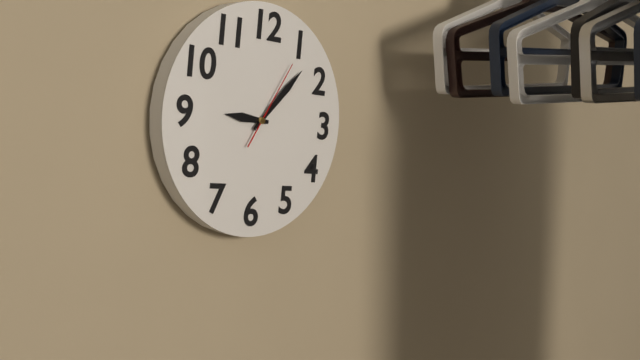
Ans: 9:07:05
